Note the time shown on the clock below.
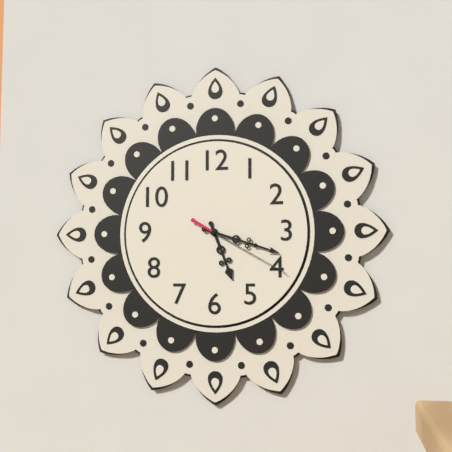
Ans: 5:18:20
